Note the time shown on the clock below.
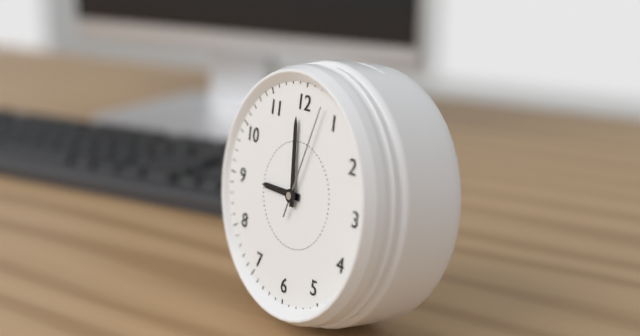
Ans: 8:59:03
